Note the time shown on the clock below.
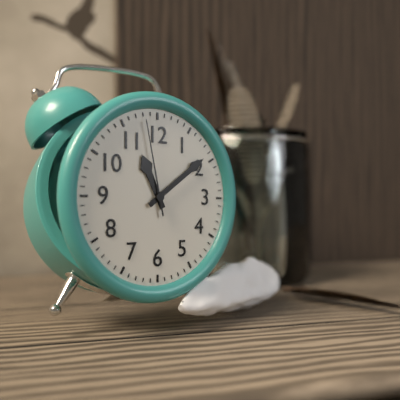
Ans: 11:09:58
